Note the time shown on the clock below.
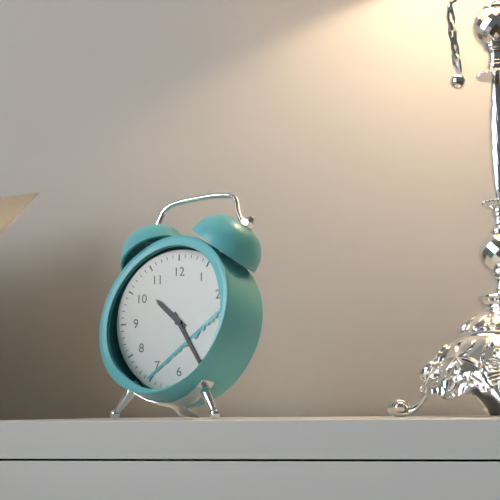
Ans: 10:25
